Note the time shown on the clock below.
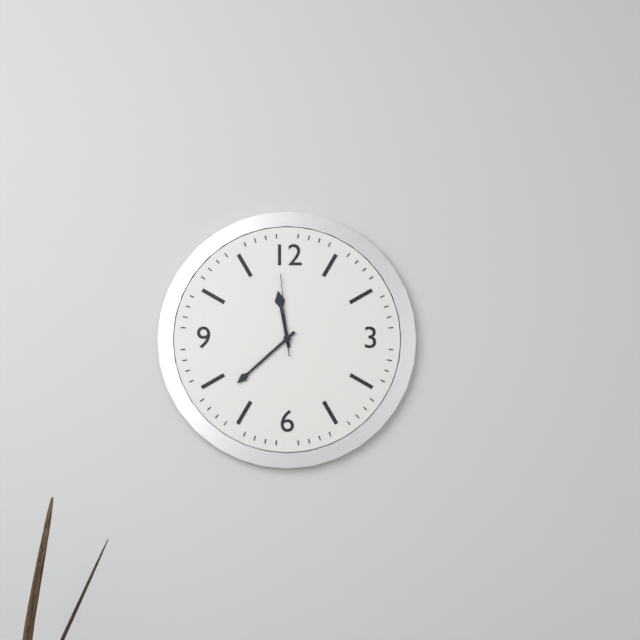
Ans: 11:38:59
